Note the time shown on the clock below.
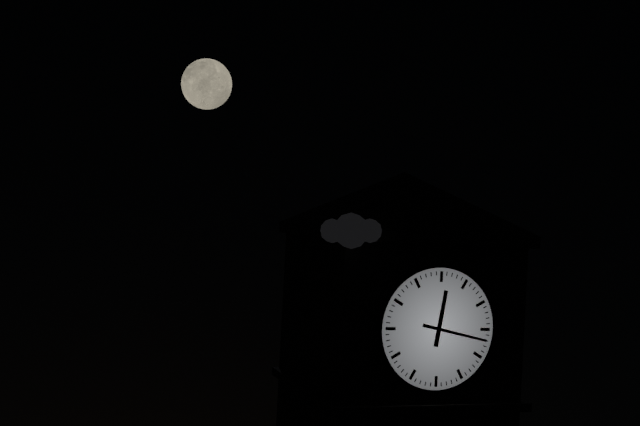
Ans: 12:17
